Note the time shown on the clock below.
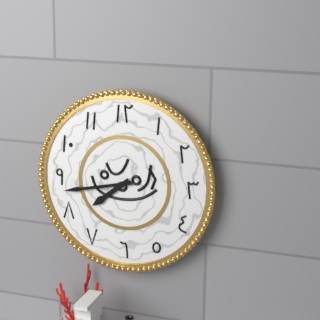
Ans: 7:43
